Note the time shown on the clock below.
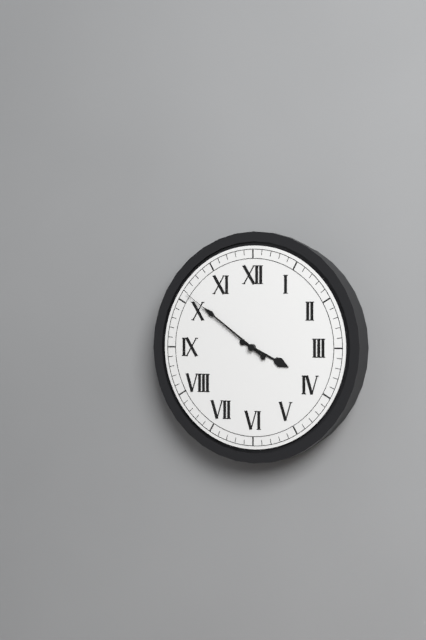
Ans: 3:51:51
